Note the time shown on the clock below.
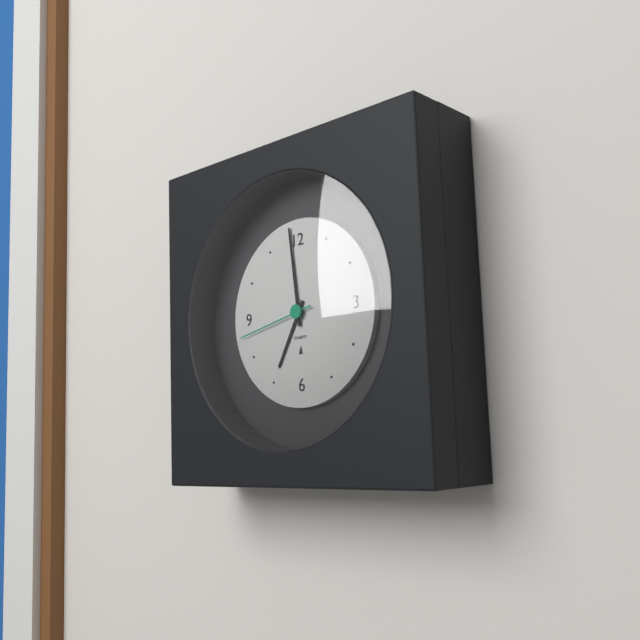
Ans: 6:59:43
